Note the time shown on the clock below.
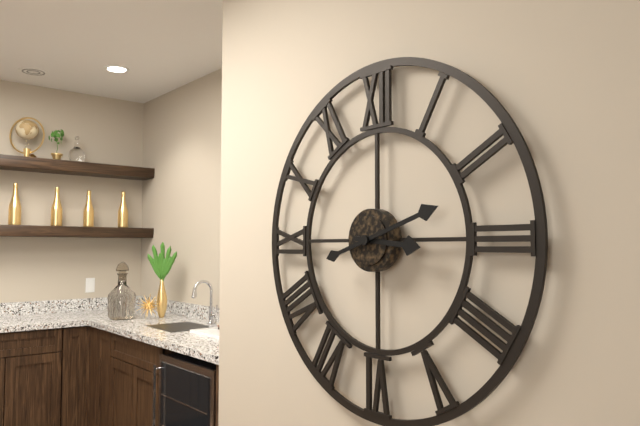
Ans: 3:12
